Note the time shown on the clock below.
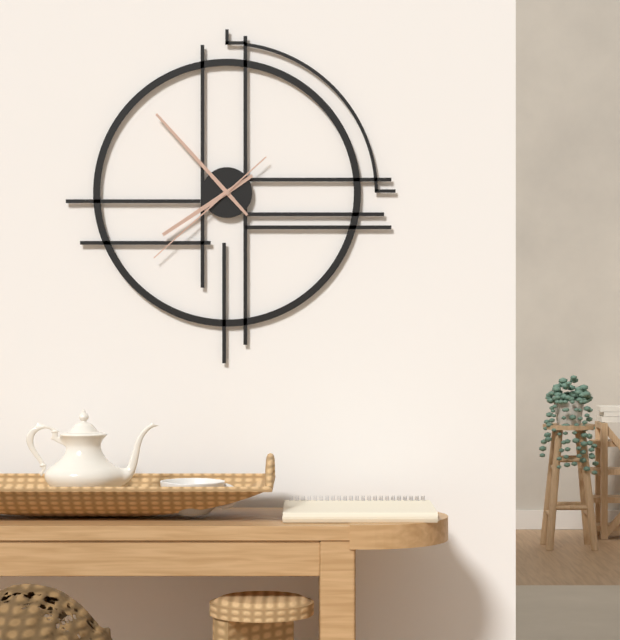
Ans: 7:53:38
